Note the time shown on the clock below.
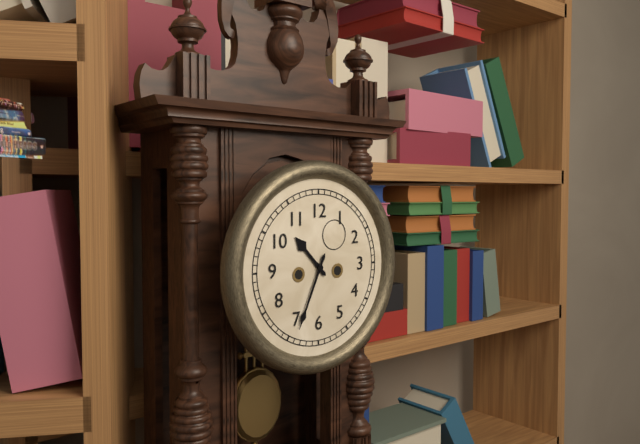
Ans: 10:34
